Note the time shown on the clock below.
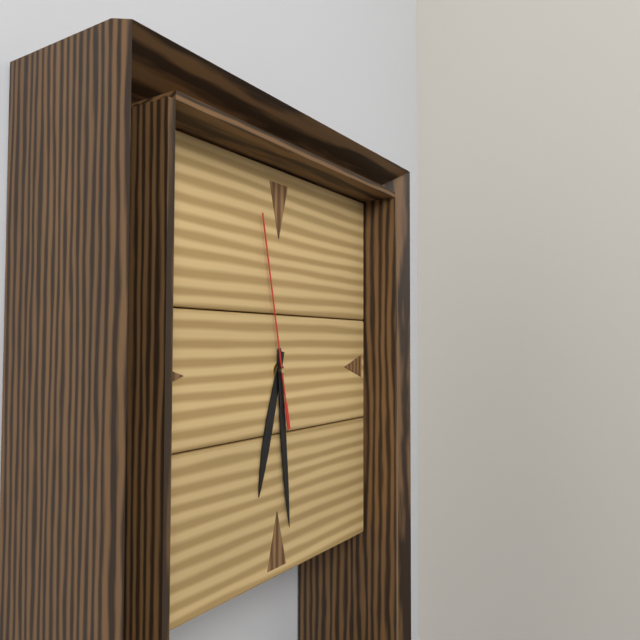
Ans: 6:29:58
